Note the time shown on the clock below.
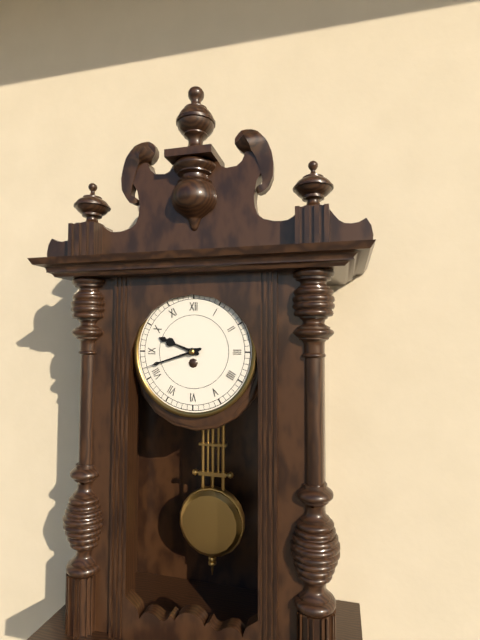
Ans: 9:42
